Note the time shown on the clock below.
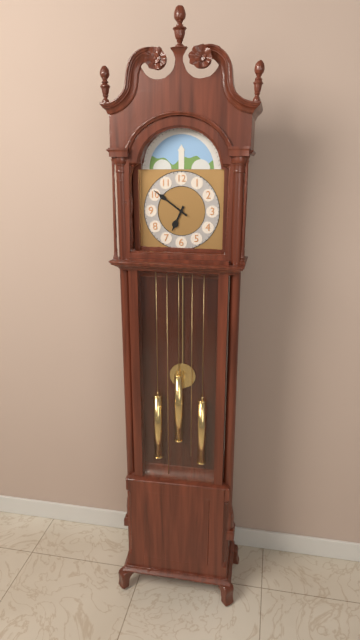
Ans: 6:51
